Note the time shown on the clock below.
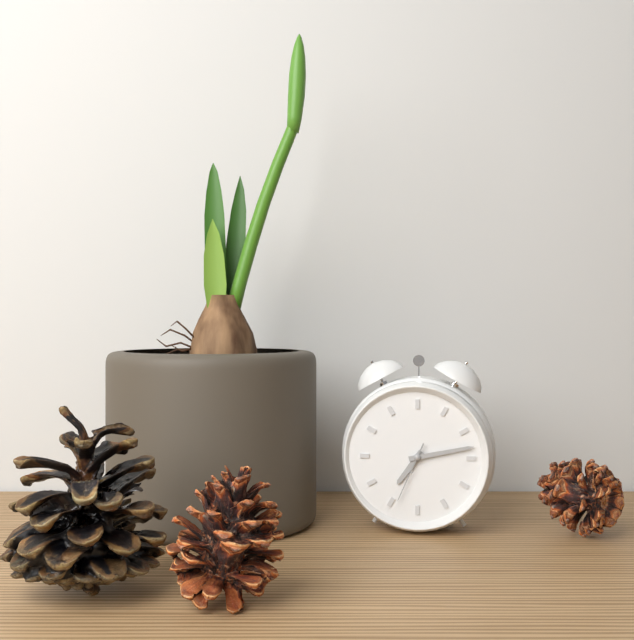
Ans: 7:13:34
